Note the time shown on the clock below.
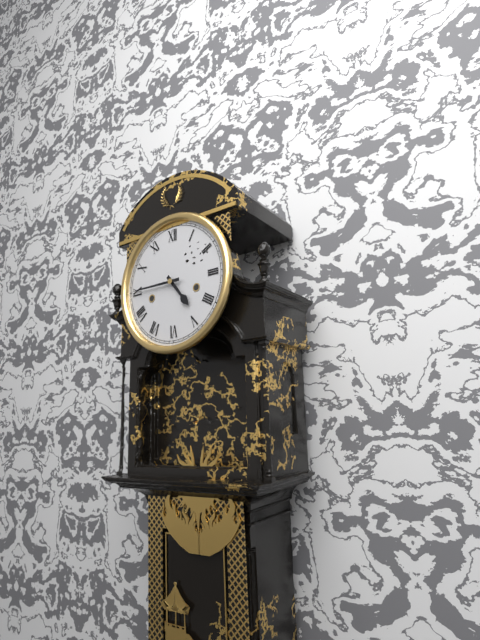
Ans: 4:45
